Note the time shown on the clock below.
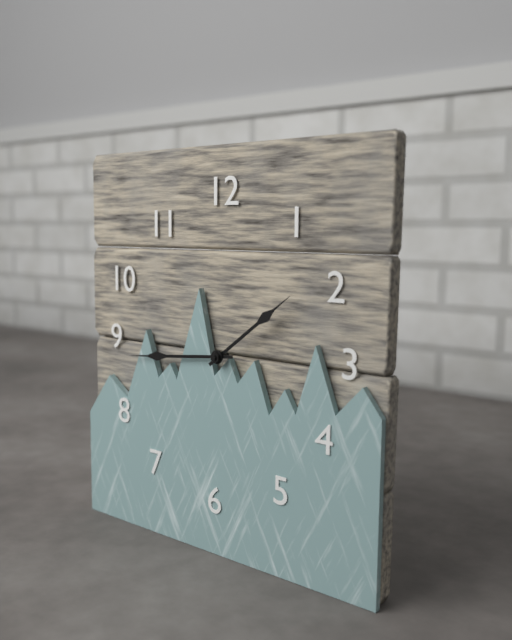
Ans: 1:44
